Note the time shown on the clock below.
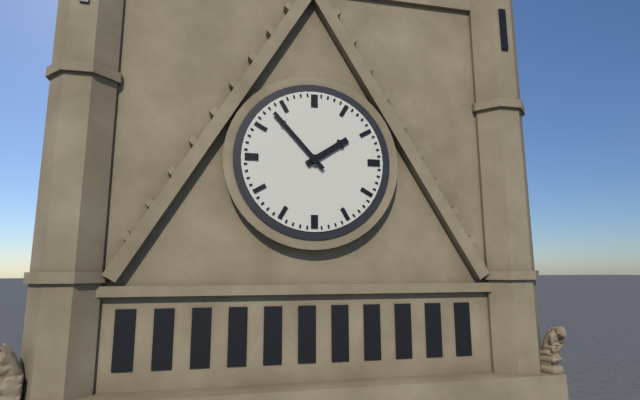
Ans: 1:53
